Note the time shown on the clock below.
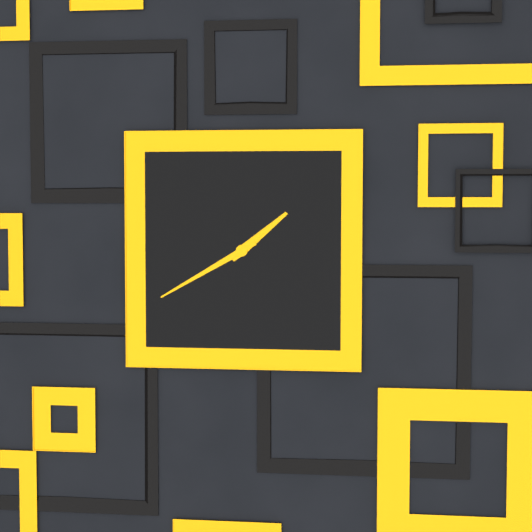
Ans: 1:40
